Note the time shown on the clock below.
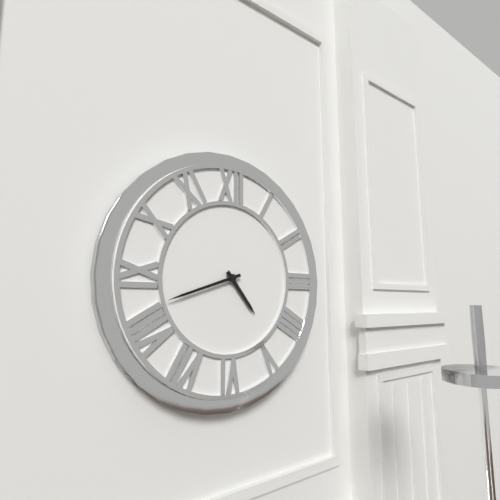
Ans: 4:42
